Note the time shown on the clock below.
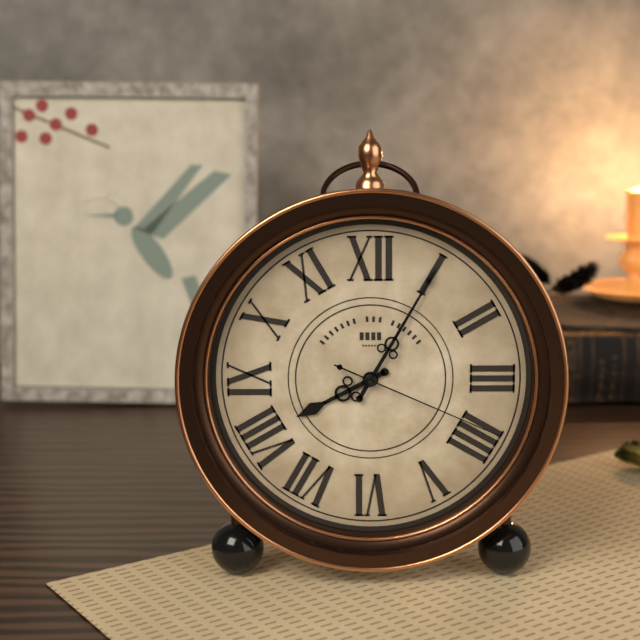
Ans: 8:05:19
